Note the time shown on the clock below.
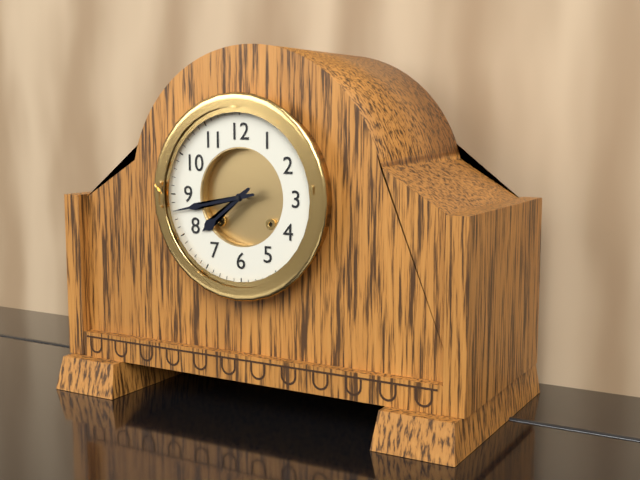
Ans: 7:43
